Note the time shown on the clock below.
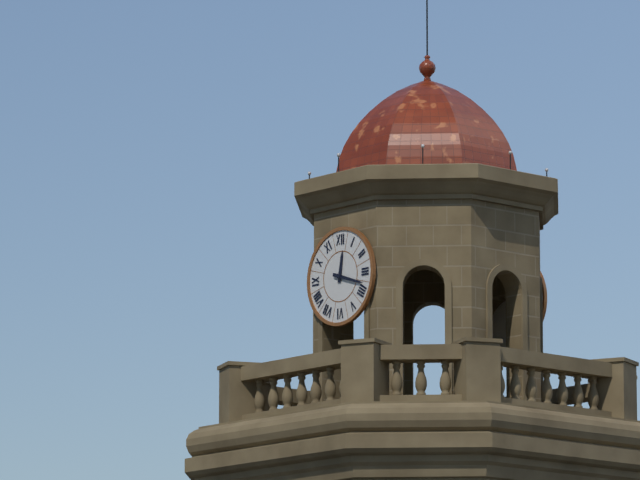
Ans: 12:18
